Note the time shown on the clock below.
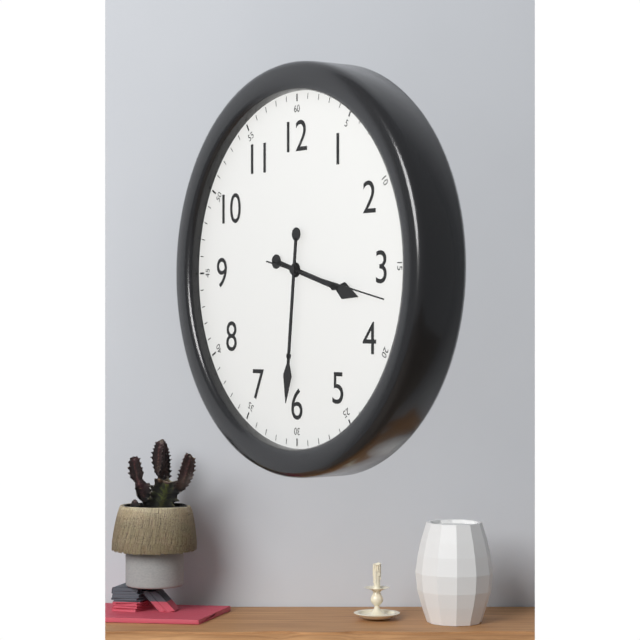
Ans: 3:31:17
